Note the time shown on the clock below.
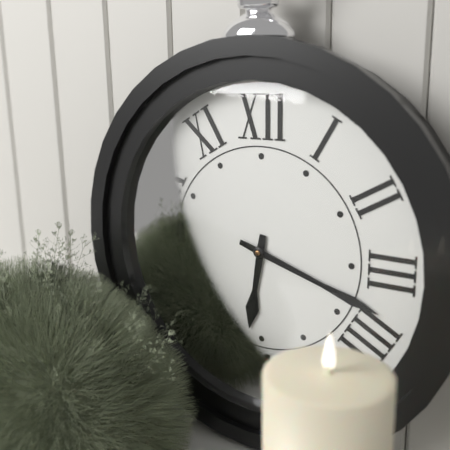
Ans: 6:18
